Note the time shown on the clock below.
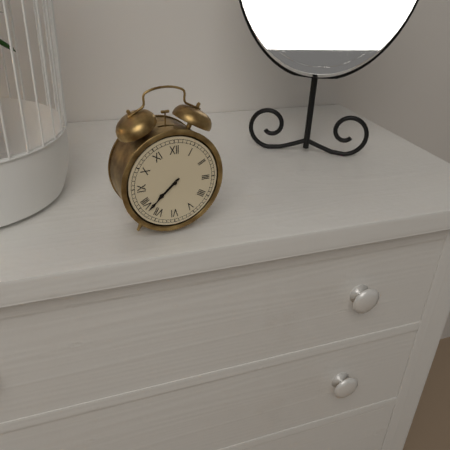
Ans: 7:38
